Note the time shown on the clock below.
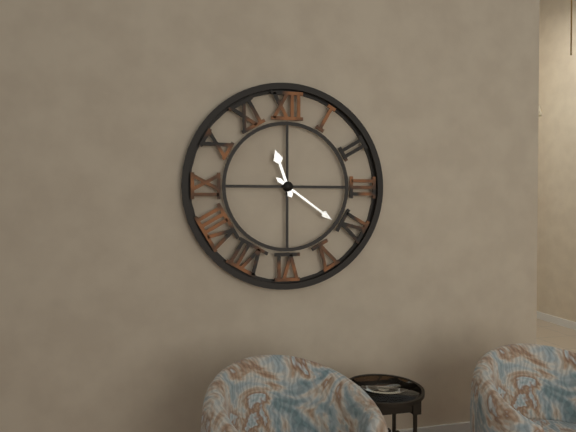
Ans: 11:21
